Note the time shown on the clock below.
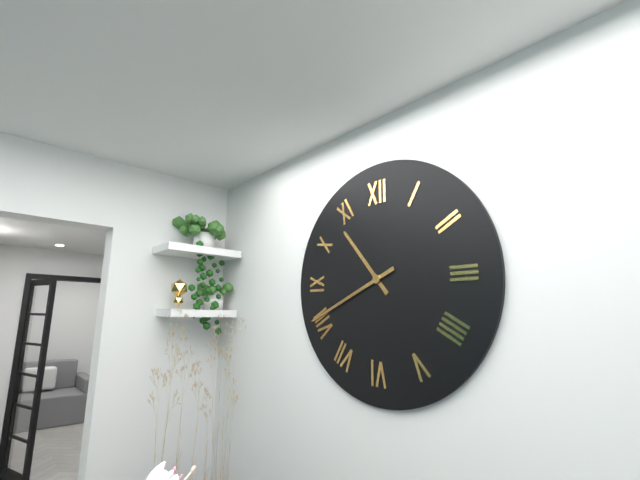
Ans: 10:41
